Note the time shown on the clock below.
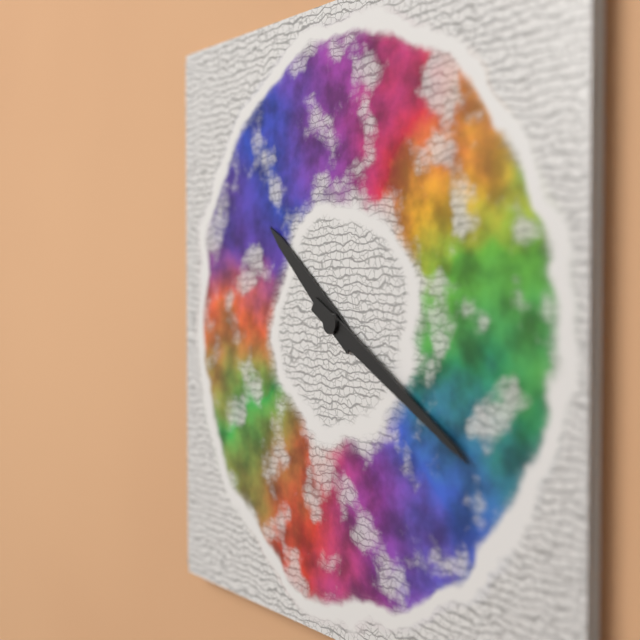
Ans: 10:20
